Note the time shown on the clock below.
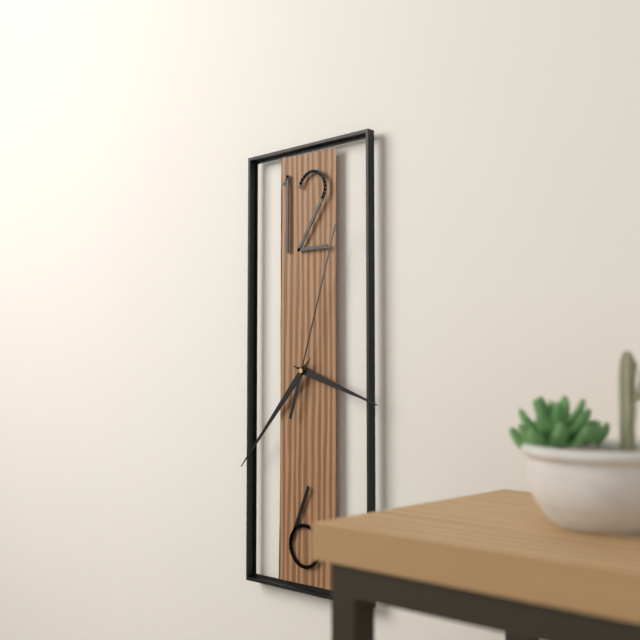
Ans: 3:37:03
